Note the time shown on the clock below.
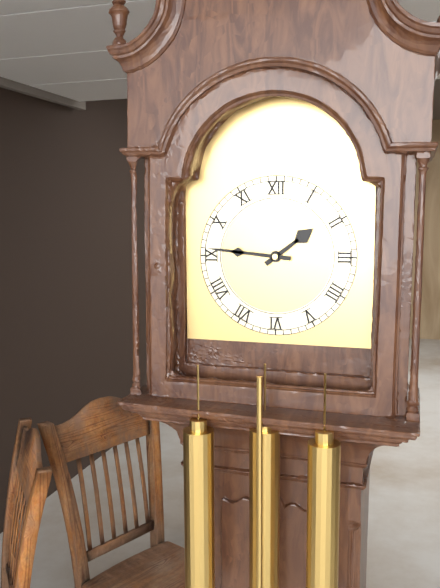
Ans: 1:46
